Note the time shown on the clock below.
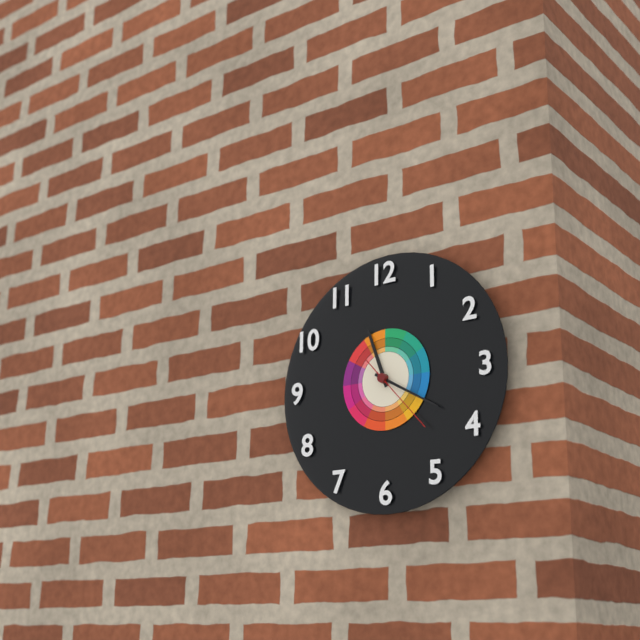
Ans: 11:20:23
